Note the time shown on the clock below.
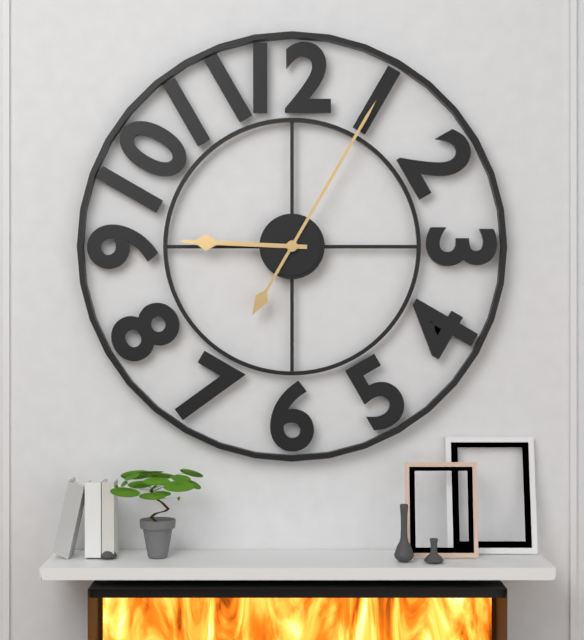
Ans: 9:05
